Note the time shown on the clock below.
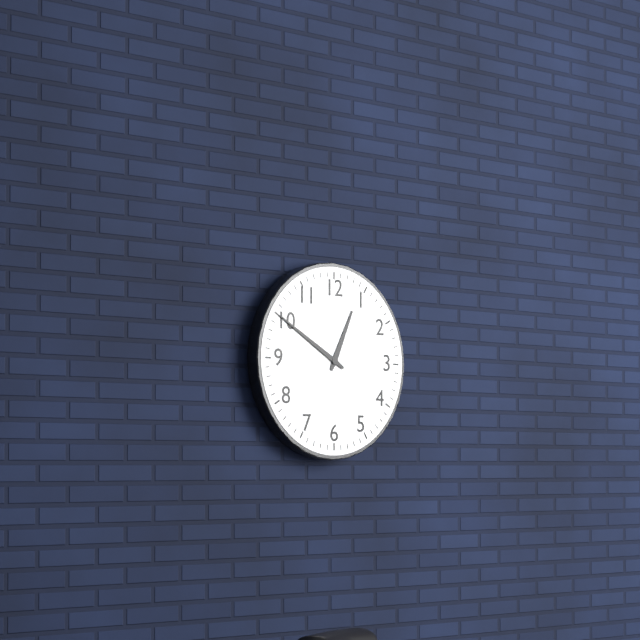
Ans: 12:50
